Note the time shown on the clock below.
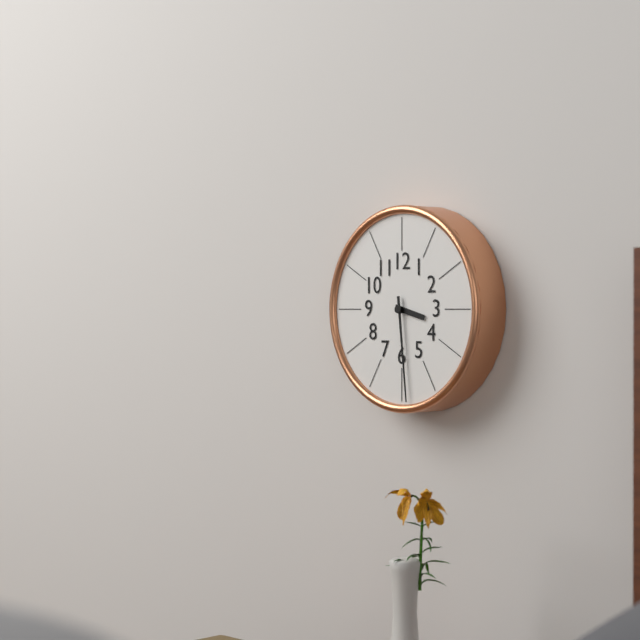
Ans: 3:29
